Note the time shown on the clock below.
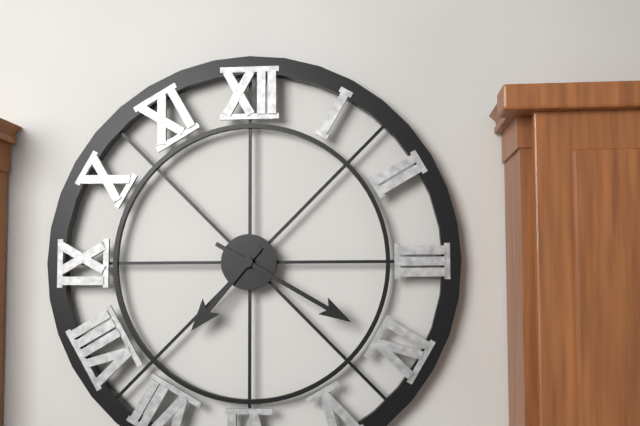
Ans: 7:20
